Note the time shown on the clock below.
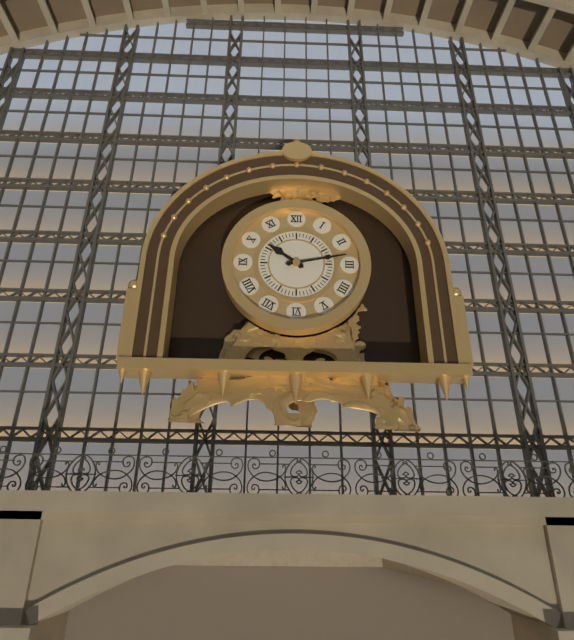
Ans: 10:13
